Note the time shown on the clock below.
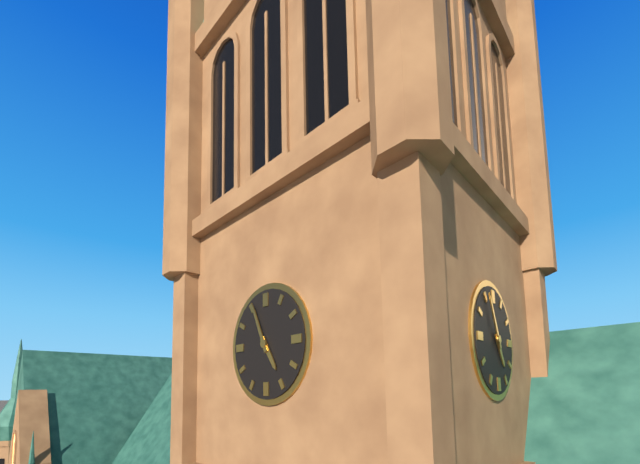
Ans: 4:56
